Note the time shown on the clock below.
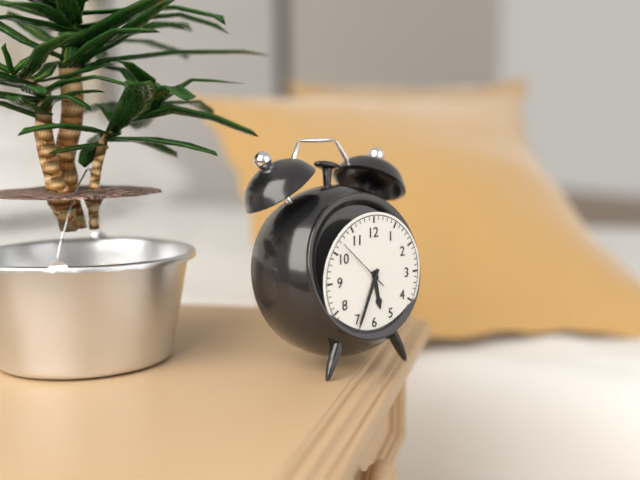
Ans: 5:34:52
